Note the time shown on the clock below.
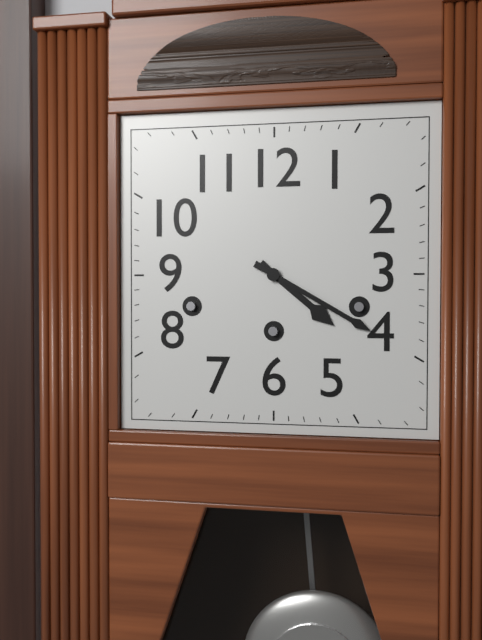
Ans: 4:20
